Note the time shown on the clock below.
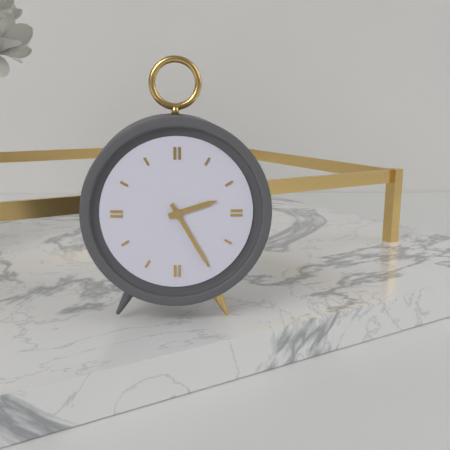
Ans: 2:25
